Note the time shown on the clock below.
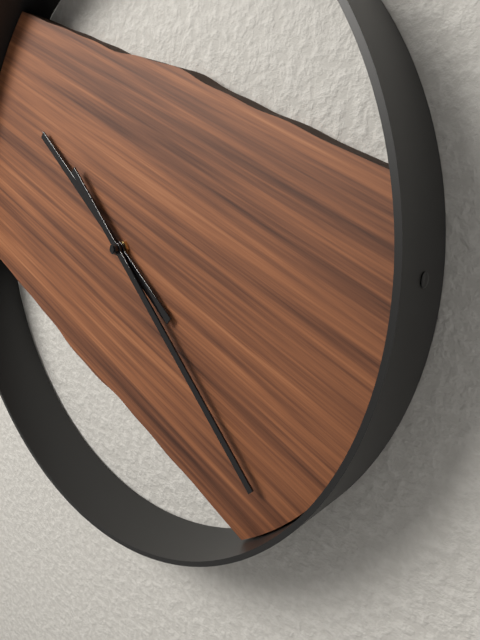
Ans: 10:23
